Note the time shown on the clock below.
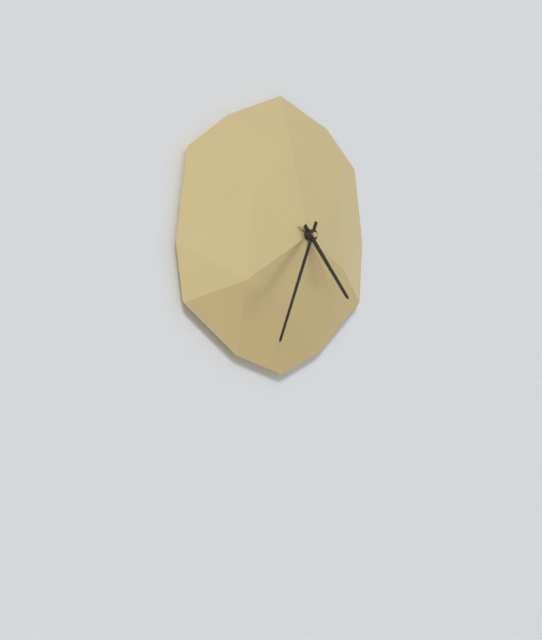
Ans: 4:34
